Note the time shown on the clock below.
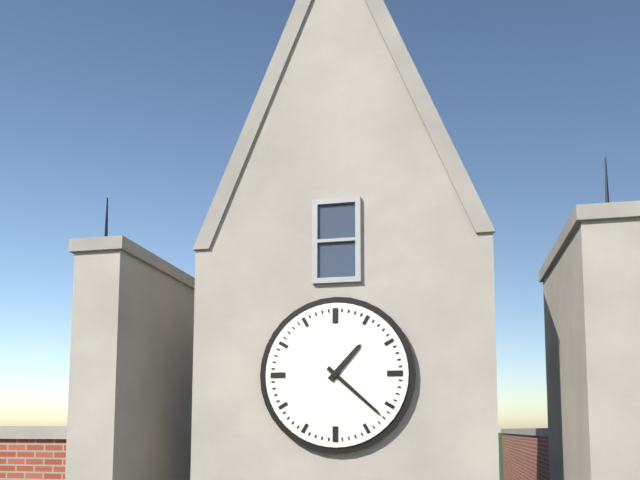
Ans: 1:22
